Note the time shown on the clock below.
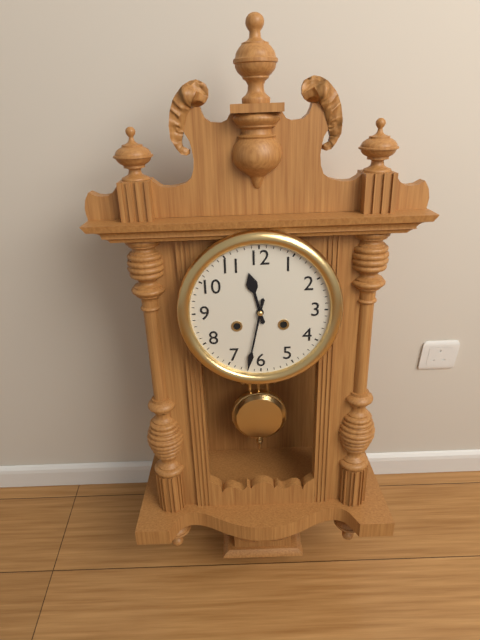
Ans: 11:32
